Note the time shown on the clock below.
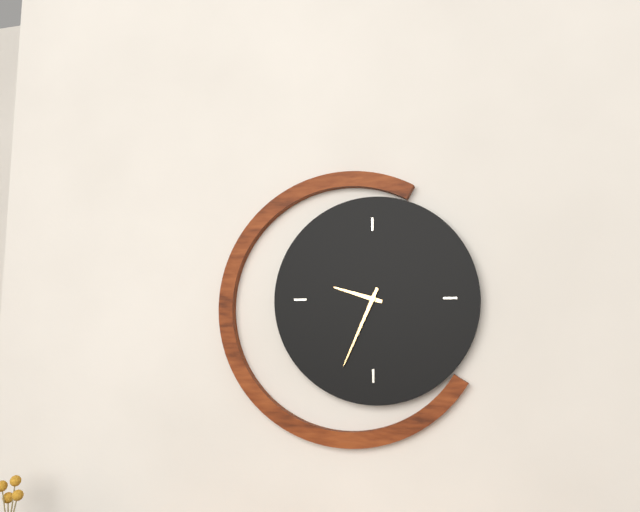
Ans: 9:34
